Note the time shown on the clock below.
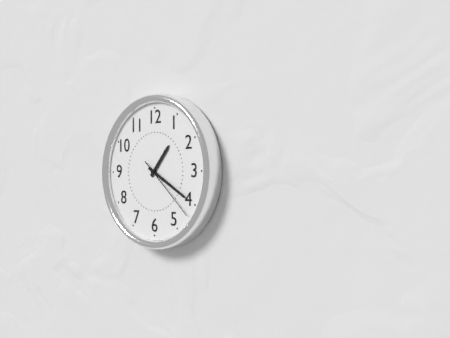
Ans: 1:20:22
